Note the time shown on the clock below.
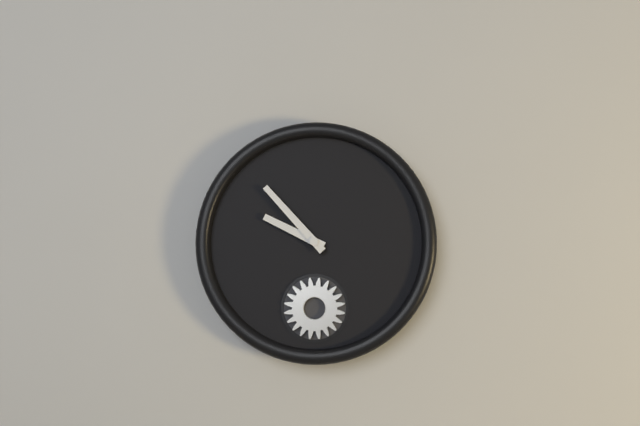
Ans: 9:53
